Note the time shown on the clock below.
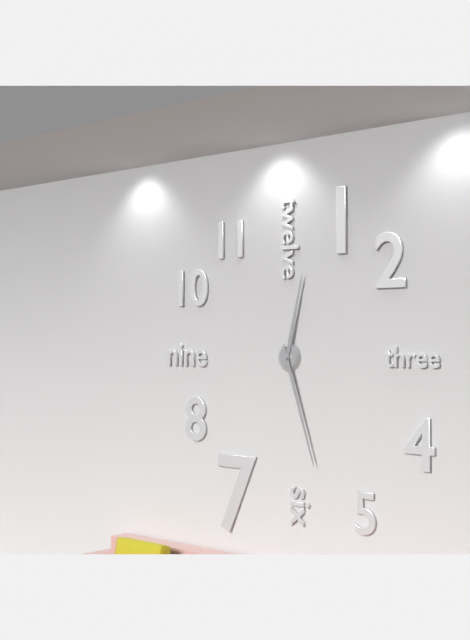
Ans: 12:27
